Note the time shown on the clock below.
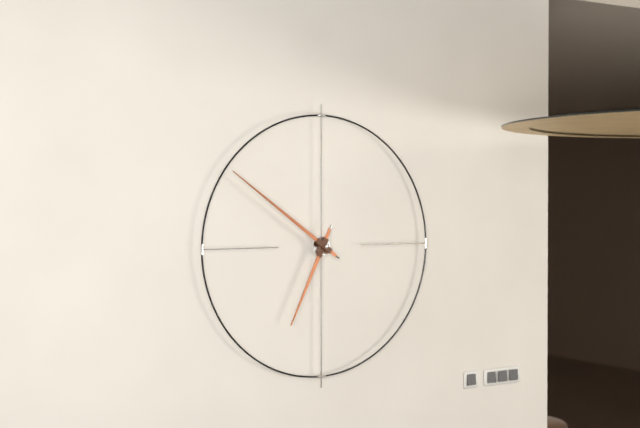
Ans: 6:51
